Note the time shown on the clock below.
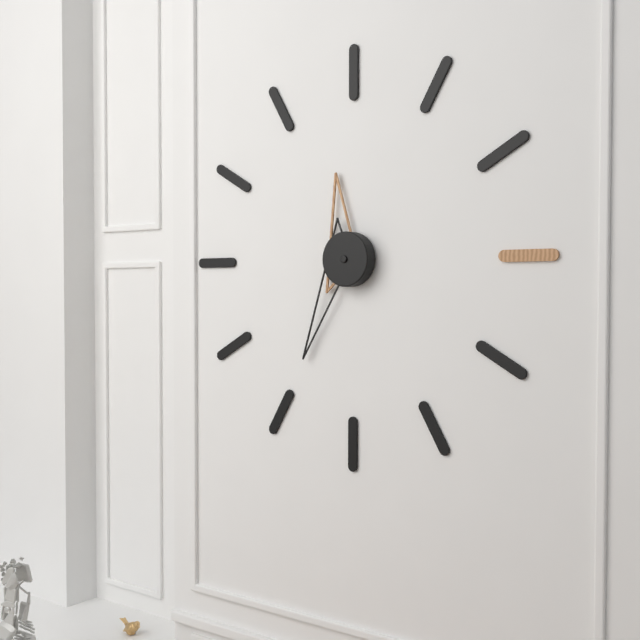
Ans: 11:35
